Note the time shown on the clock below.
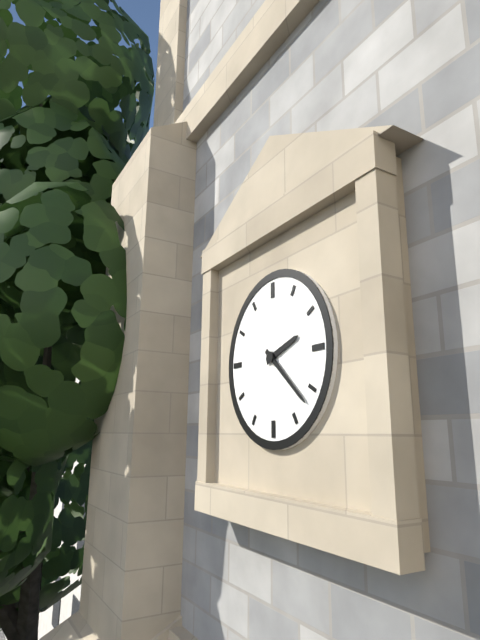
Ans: 2:22
